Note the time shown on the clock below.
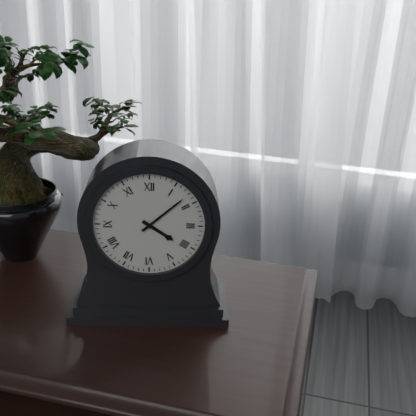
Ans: 4:08
